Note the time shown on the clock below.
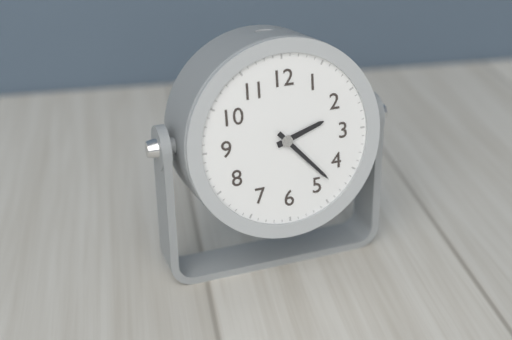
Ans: 2:23
